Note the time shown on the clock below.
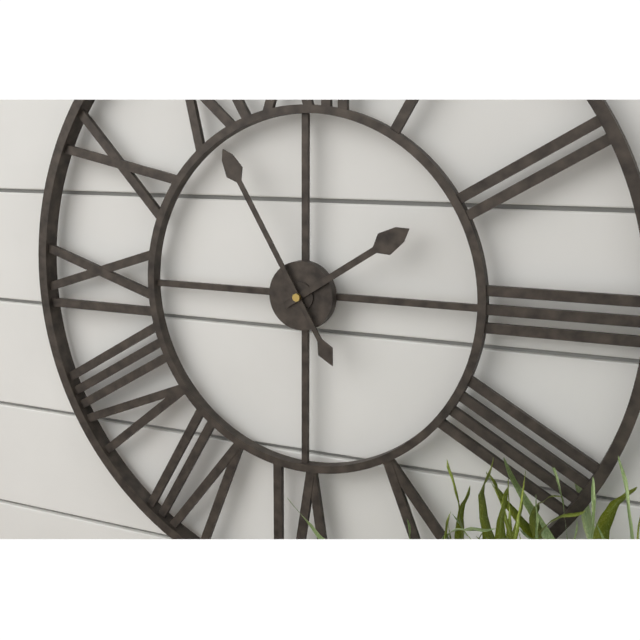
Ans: 1:55
